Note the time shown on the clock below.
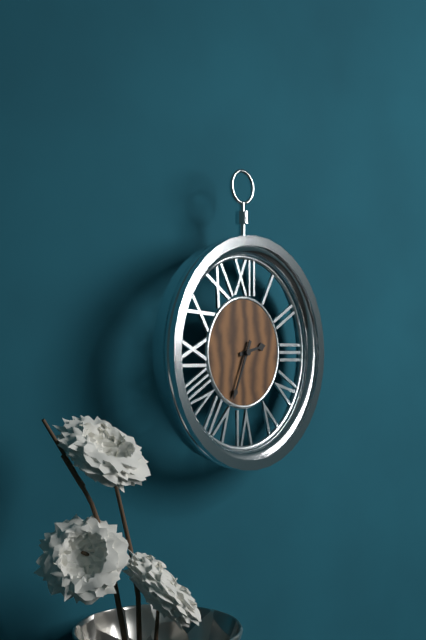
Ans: 2:34
